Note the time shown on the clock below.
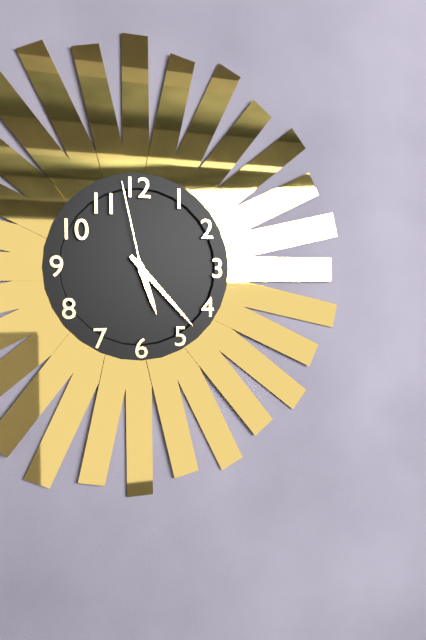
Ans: 5:23:58
